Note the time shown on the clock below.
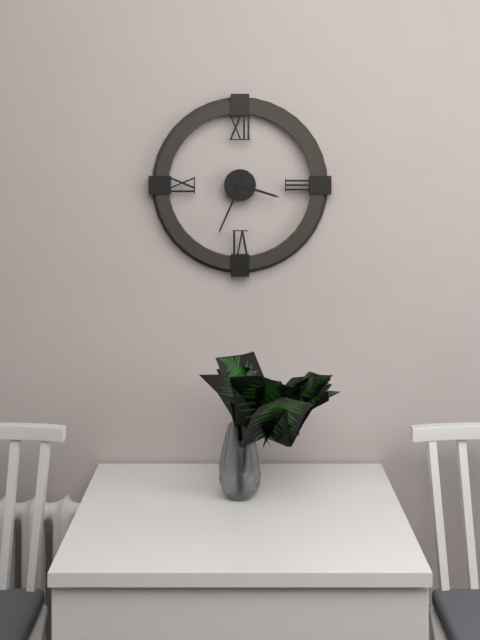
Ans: 3:34
